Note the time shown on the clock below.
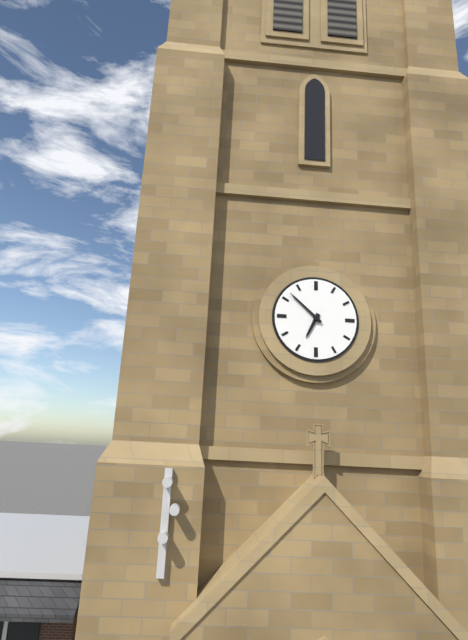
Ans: 6:52
